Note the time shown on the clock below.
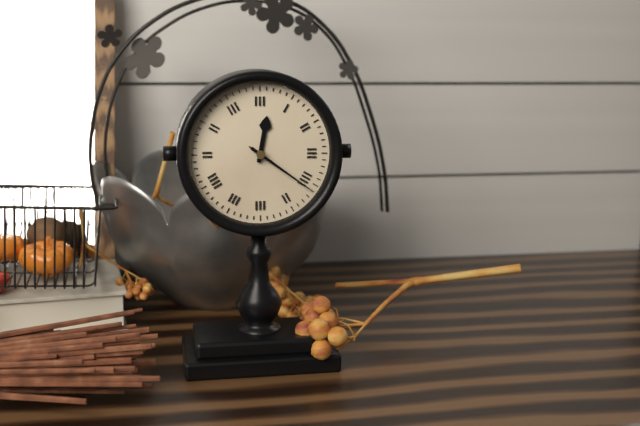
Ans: 12:21:21
